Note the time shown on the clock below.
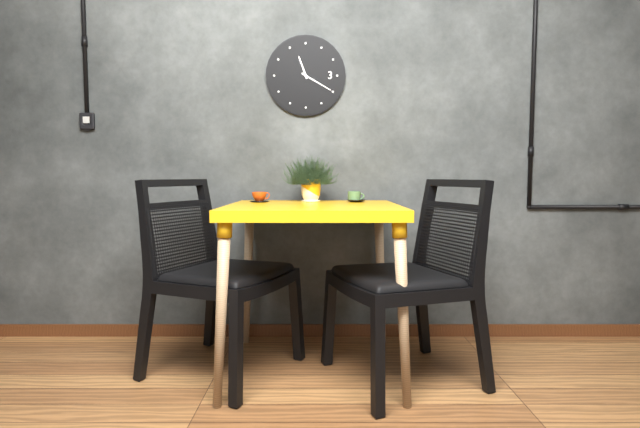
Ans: 11:20
